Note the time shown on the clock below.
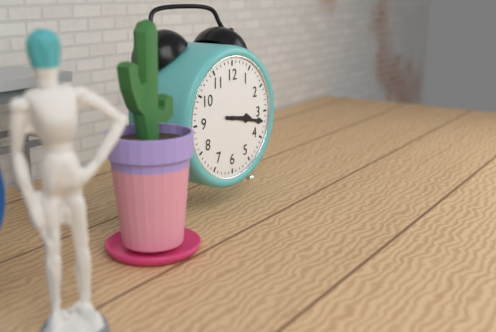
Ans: 3:17
